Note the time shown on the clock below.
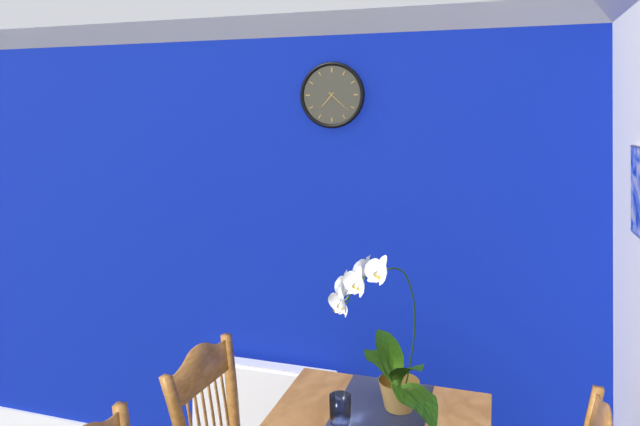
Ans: 7:22
